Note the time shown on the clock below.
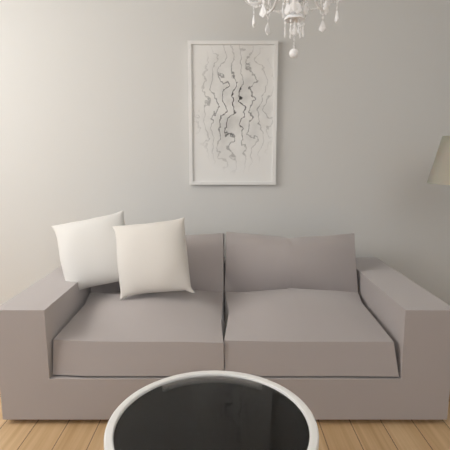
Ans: 9:02
